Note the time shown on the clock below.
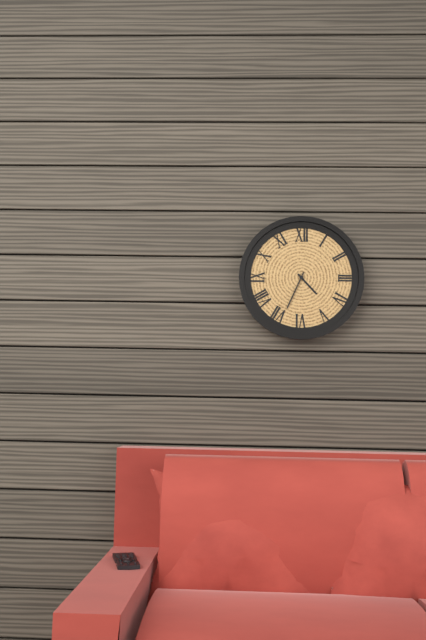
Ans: 4:34
